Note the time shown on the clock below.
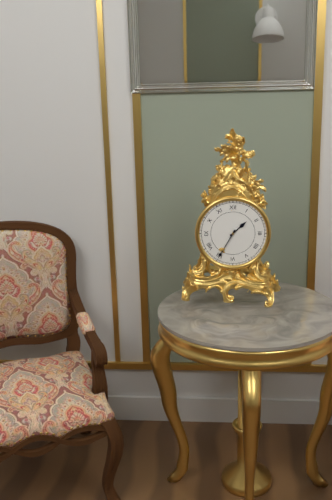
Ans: 1:35
